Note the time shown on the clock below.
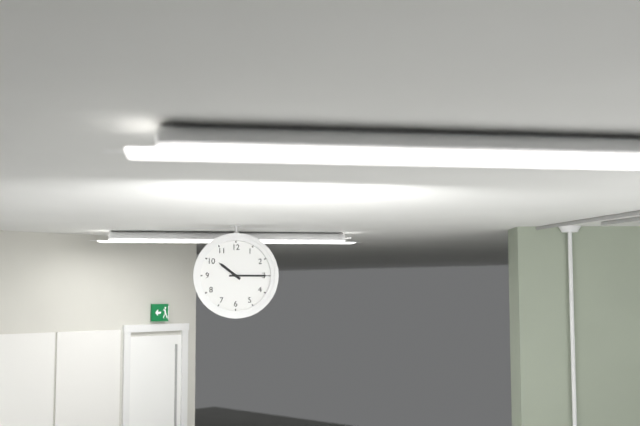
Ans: 10:15
